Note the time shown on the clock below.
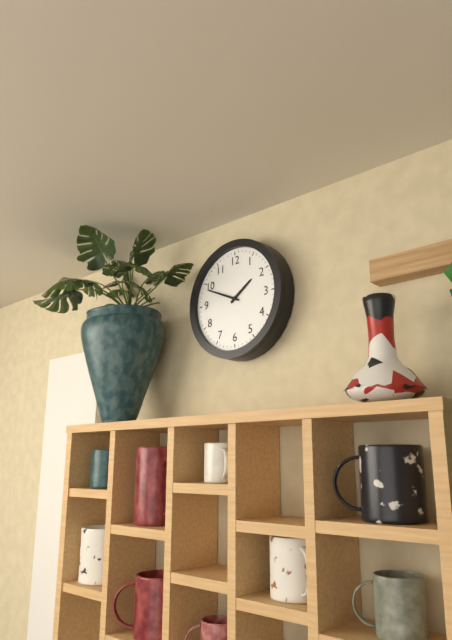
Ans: 1:49
